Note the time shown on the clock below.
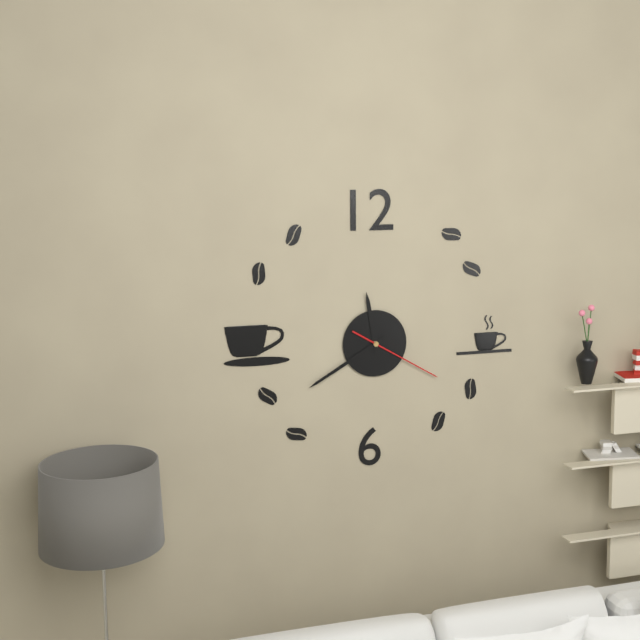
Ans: 11:40:20
